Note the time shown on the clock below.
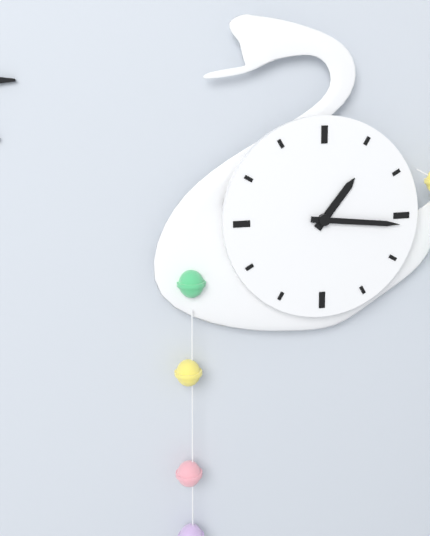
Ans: 1:16
